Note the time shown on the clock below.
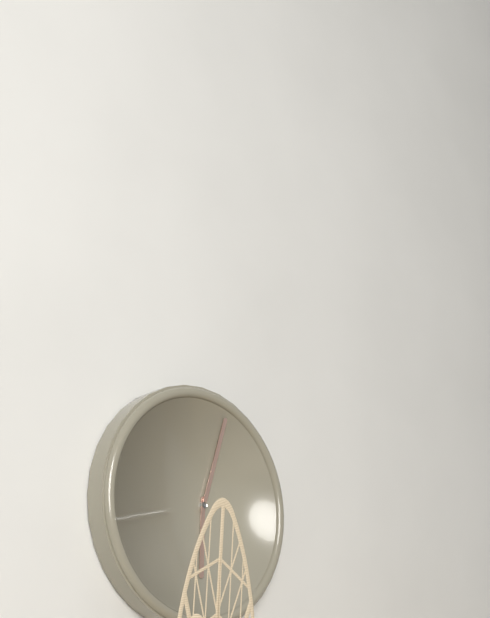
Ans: 6:03
